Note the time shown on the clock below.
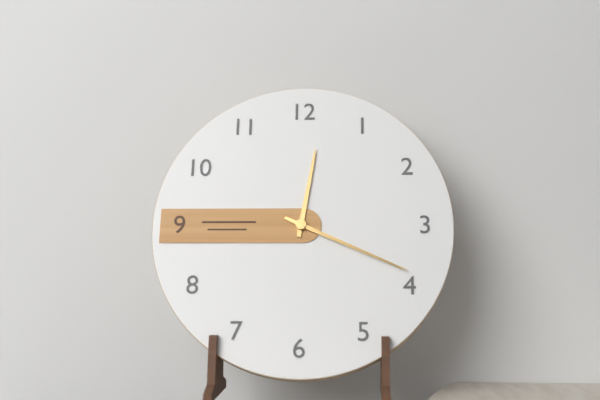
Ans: 12:19
